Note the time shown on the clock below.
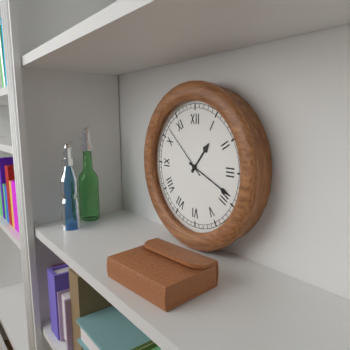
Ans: 1:19:52
